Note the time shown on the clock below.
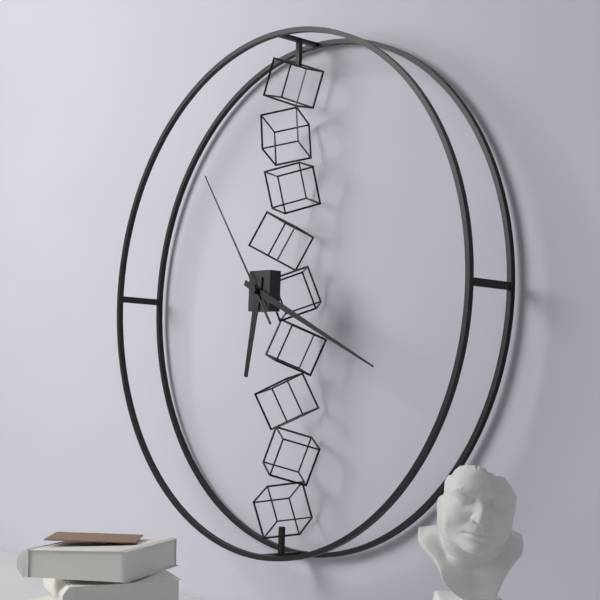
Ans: 6:19:54
